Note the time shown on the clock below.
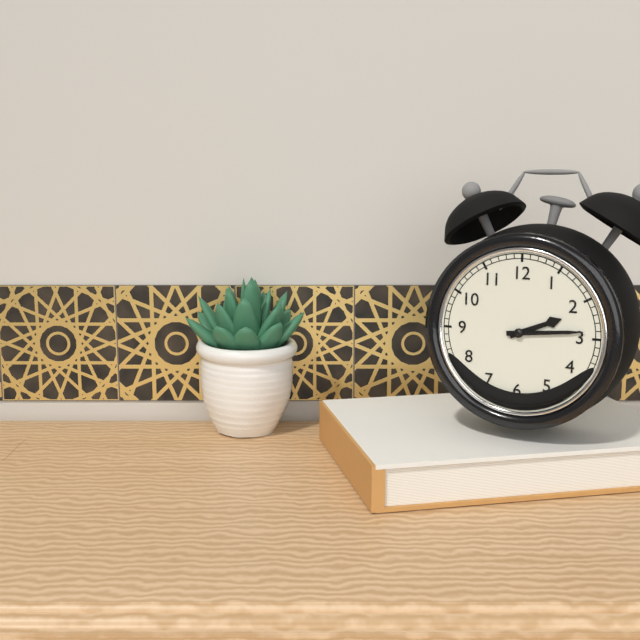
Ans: 2:14
